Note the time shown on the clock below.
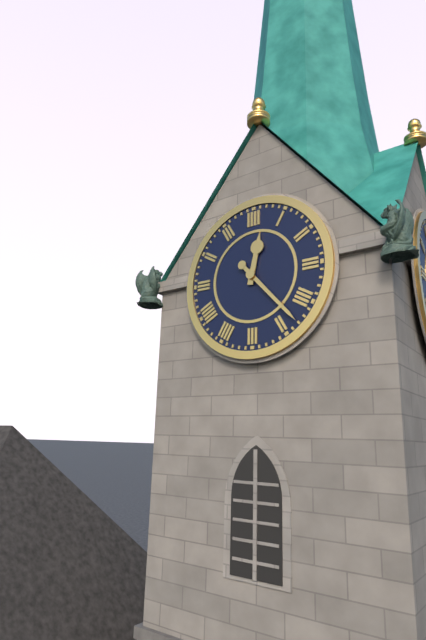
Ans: 12:23
